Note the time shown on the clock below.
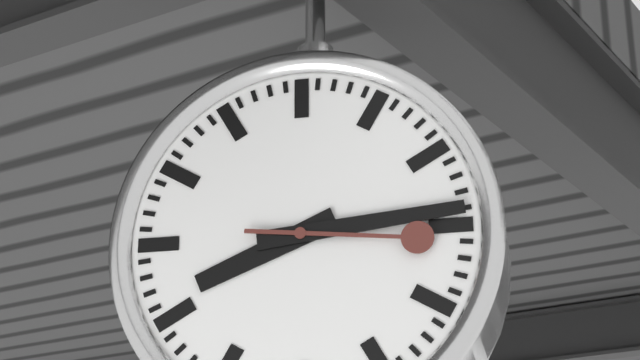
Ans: 8:14:16
